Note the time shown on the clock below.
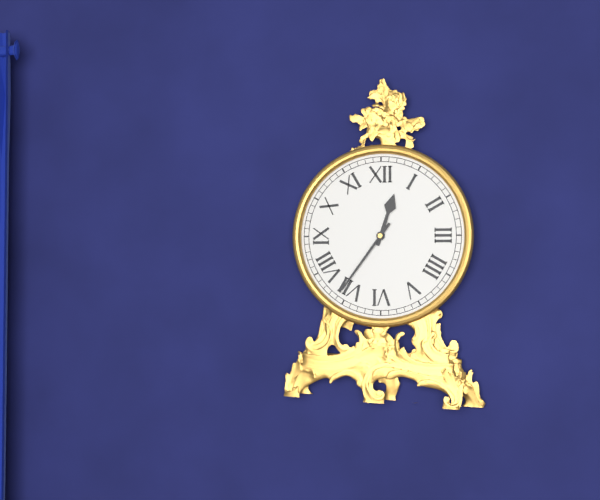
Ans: 12:36
